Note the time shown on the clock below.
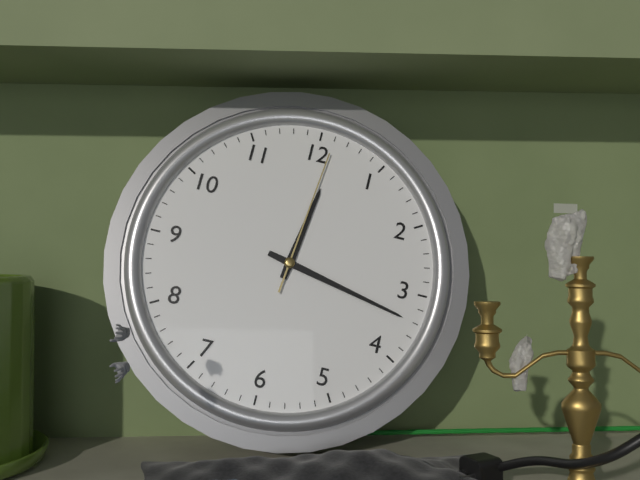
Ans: 12:17:01
